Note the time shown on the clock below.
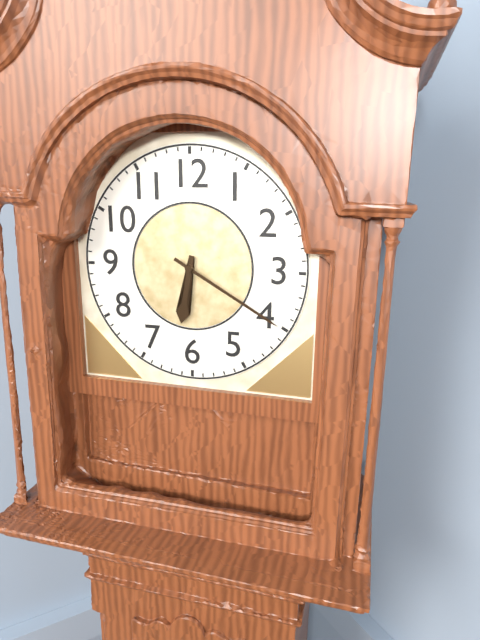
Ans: 6:20
